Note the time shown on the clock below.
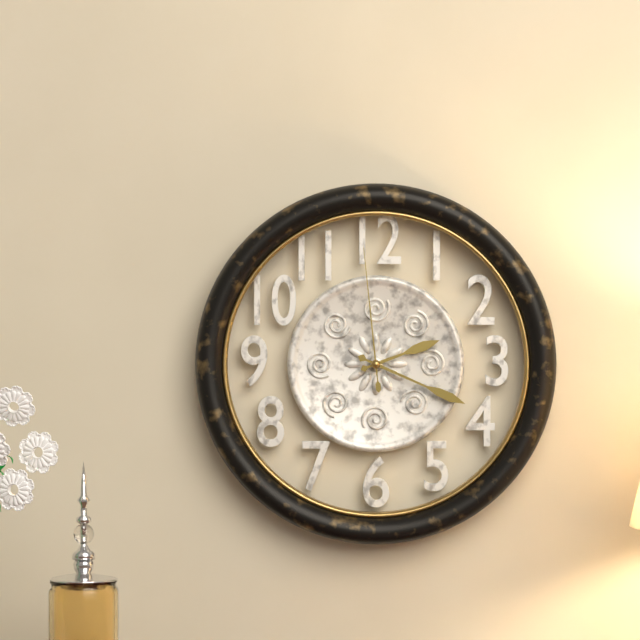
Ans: 2:19:59
